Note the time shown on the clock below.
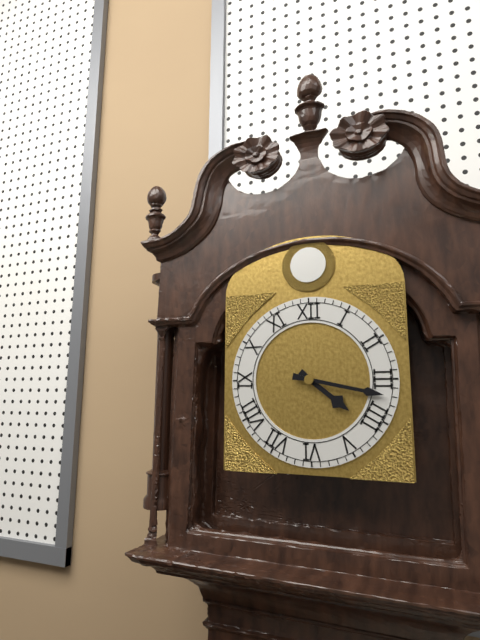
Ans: 4:17
